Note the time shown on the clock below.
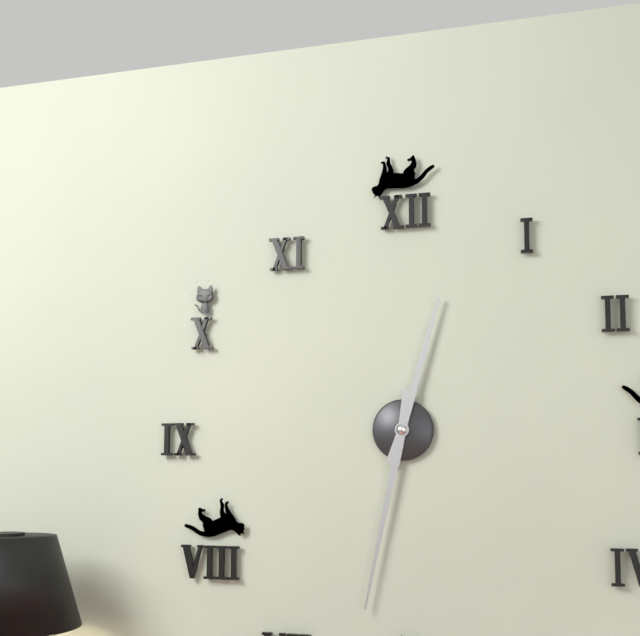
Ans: 12:32
